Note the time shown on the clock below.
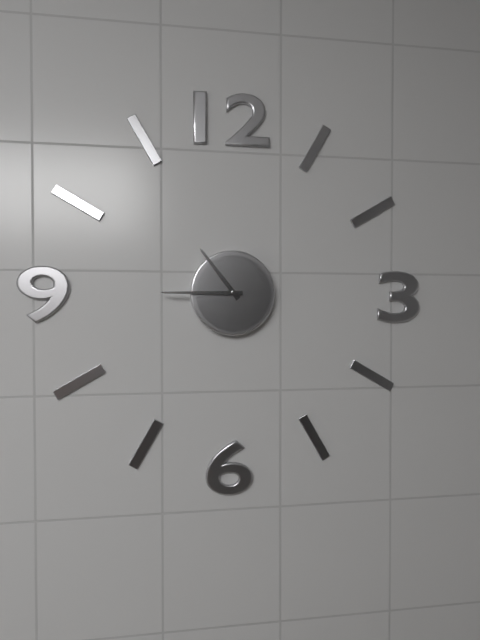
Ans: 10:45
